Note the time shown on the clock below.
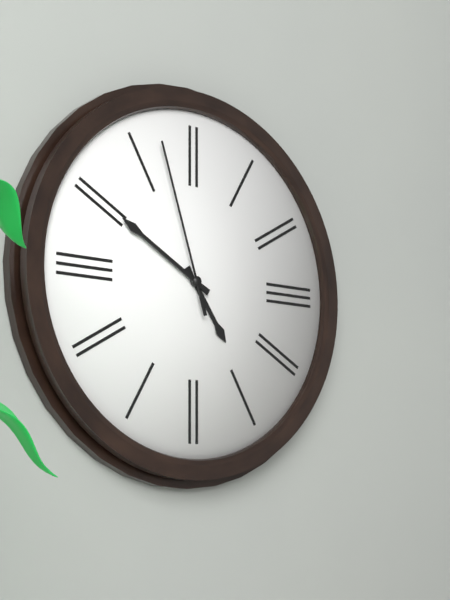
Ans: 4:50:57
